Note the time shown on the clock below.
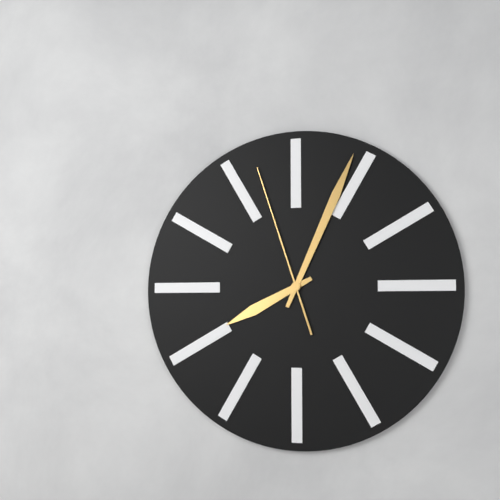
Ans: 8:04:57
